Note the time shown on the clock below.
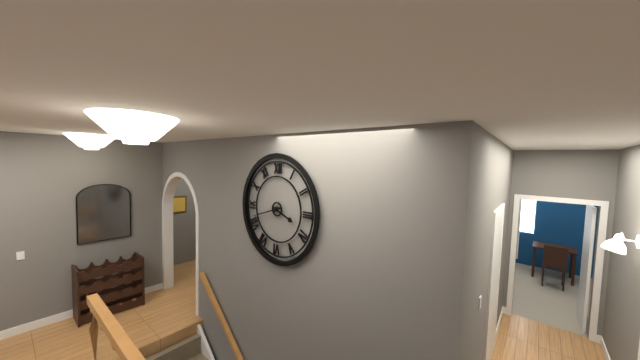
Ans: 3:42
